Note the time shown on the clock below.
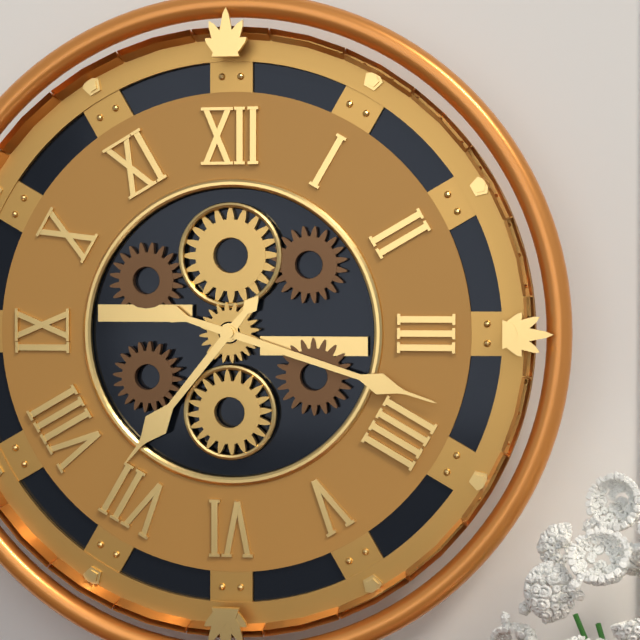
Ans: 7:18
